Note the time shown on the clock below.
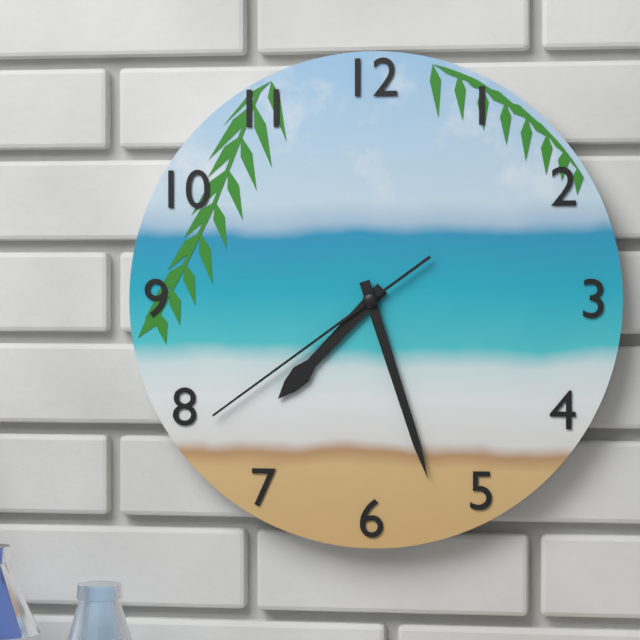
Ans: 7:27:39
